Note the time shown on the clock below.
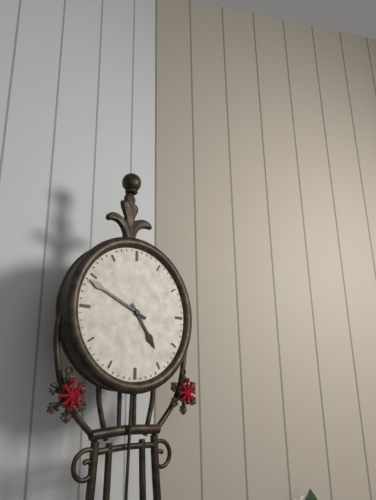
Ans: 4:49
